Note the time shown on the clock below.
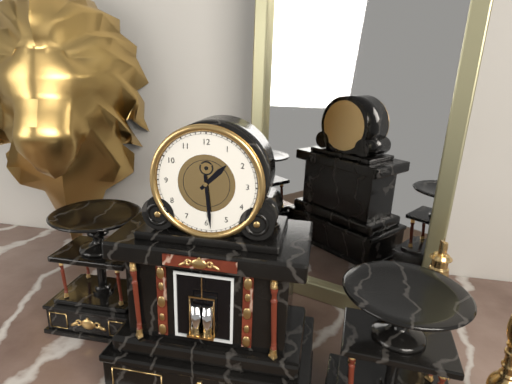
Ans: 1:29
